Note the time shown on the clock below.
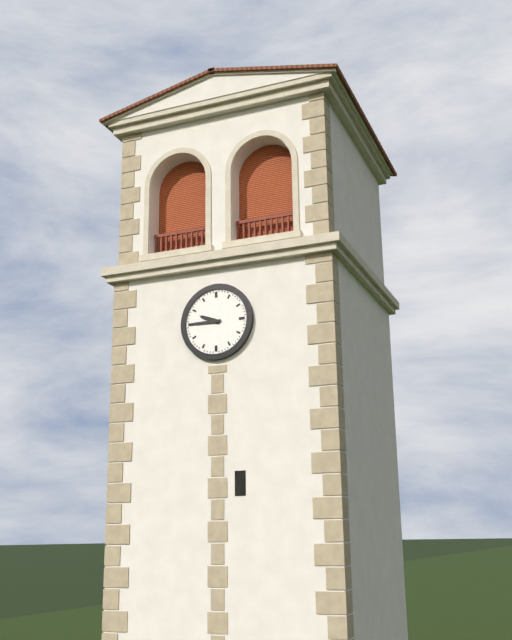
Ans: 9:45
